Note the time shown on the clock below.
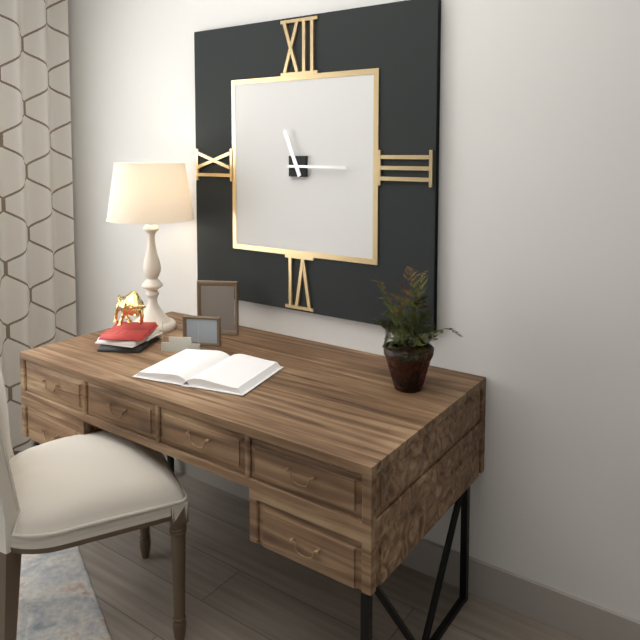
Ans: 11:15
